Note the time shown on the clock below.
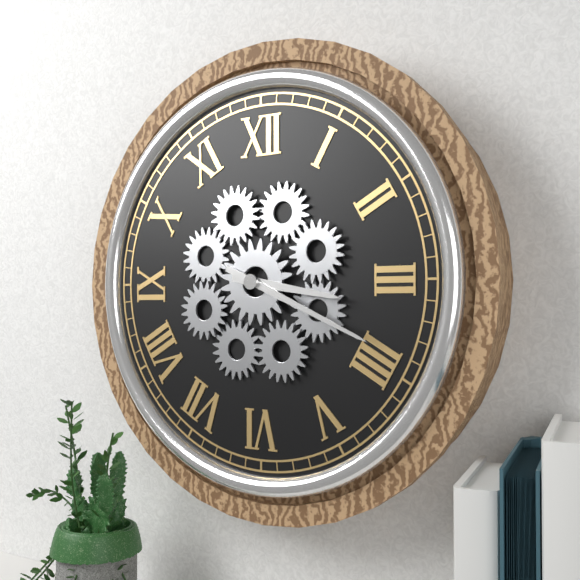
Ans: 3:19
